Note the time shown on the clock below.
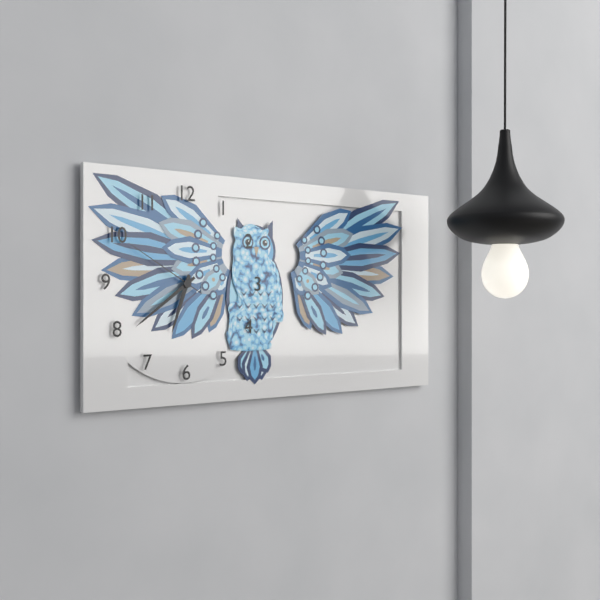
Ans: 6:39:50
